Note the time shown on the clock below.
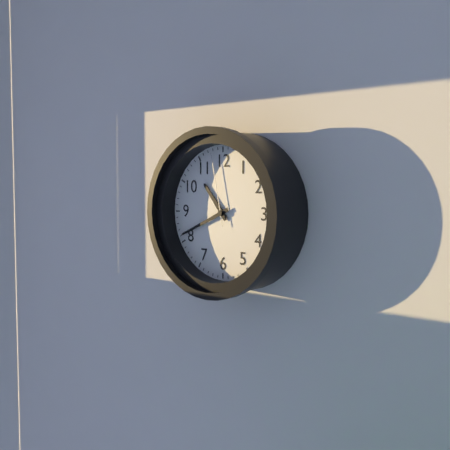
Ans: 10:41:58
